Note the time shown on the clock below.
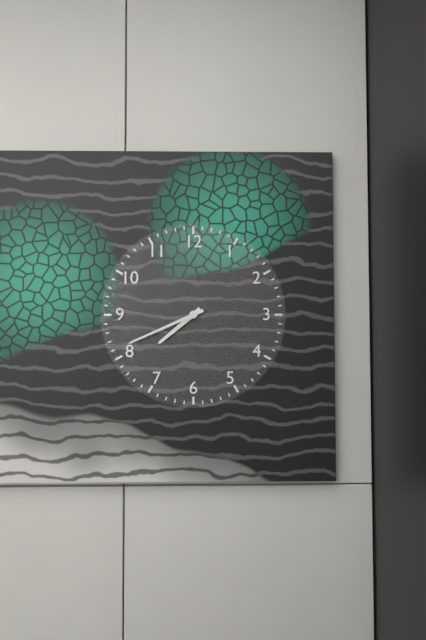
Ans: 7:41
